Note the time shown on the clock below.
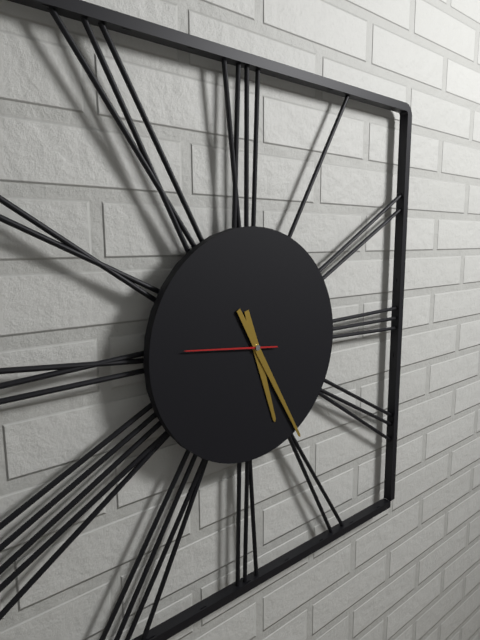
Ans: 5:25:46
